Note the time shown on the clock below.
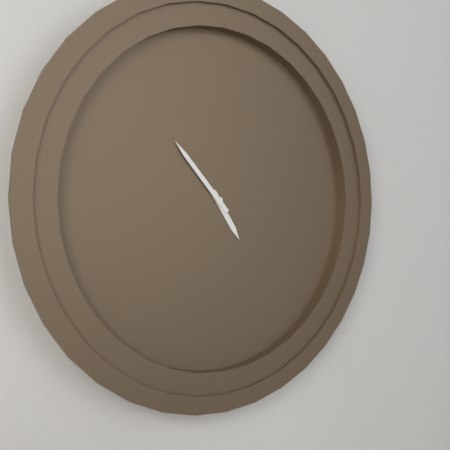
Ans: 4:53
